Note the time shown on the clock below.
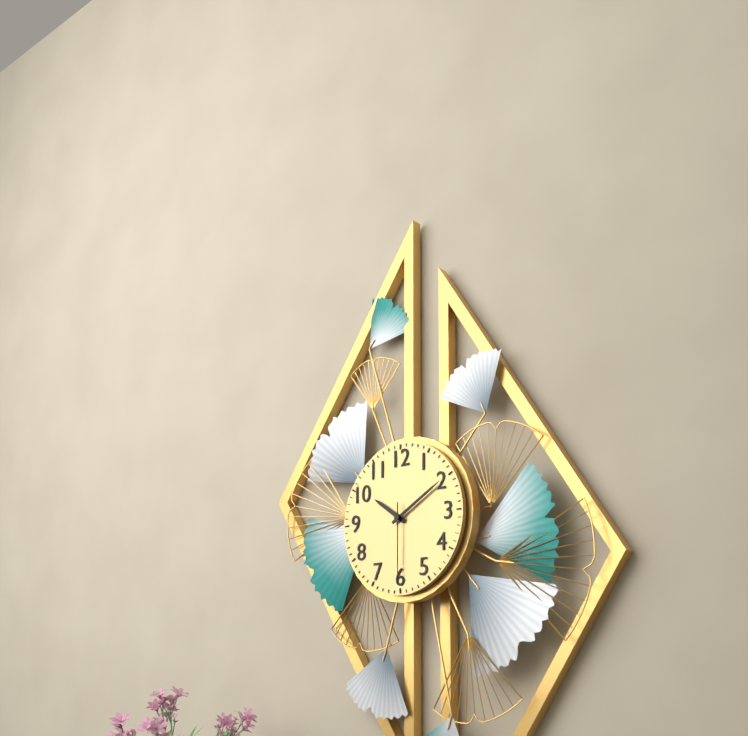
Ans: 10:10:30
